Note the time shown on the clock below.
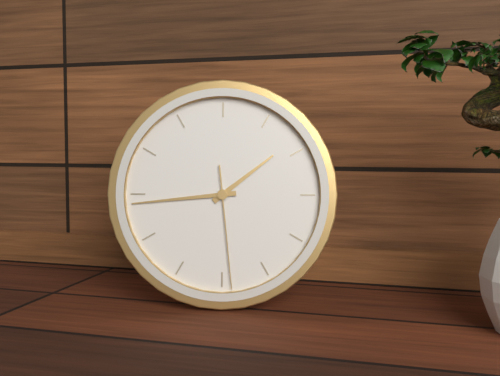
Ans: 1:44:29
